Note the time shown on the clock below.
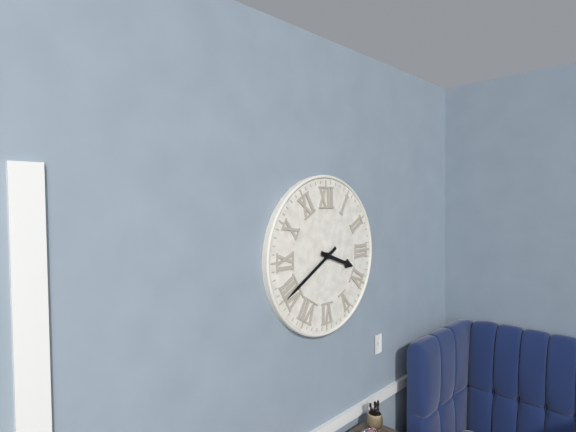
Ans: 3:40
